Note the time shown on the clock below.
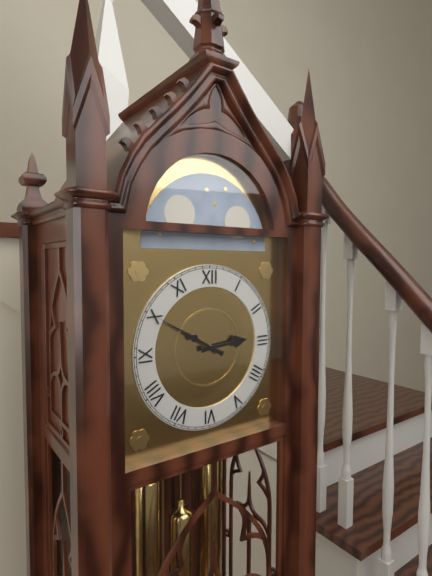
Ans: 2:50
